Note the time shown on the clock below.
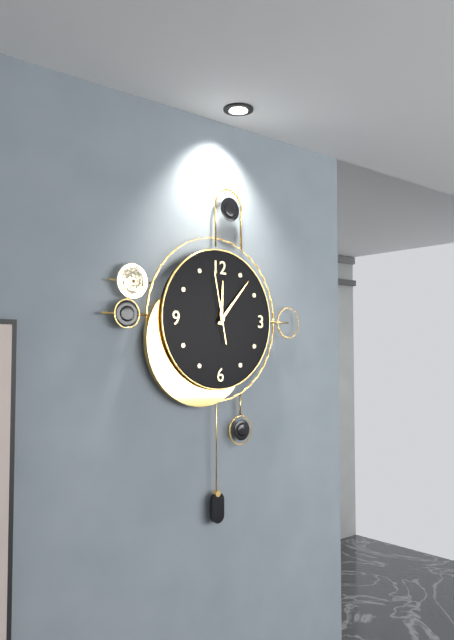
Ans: 12:07:58
